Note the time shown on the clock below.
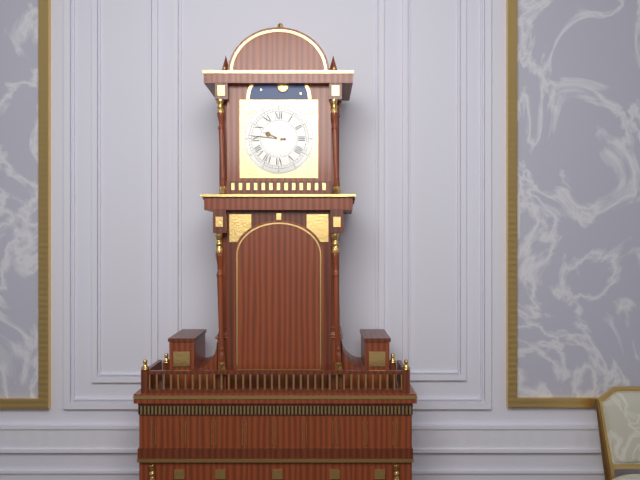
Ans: 9:46
